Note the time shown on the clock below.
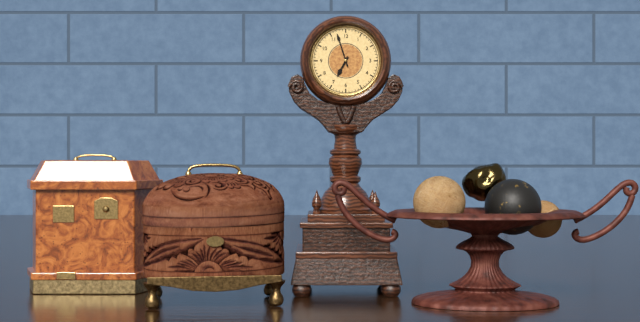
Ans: 6:57
